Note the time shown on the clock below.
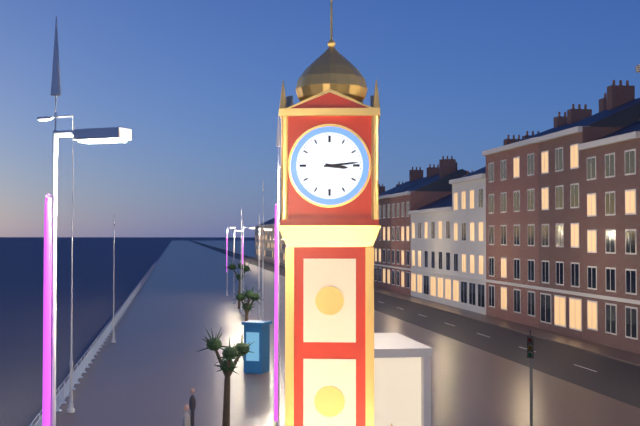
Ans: 3:14
